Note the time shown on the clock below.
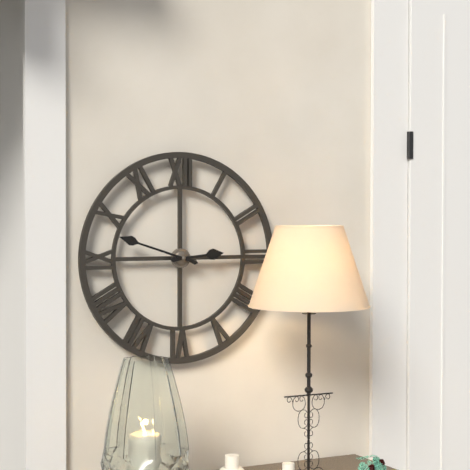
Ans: 2:48
